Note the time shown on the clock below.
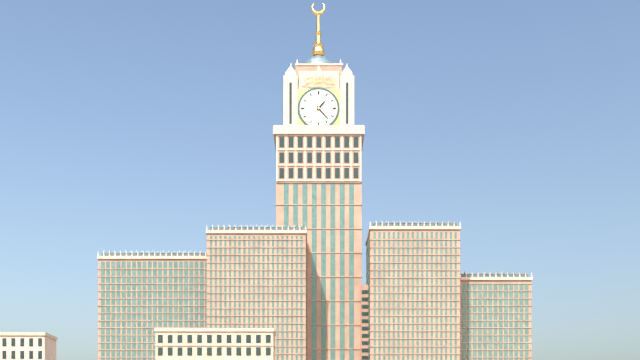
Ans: 1:23
